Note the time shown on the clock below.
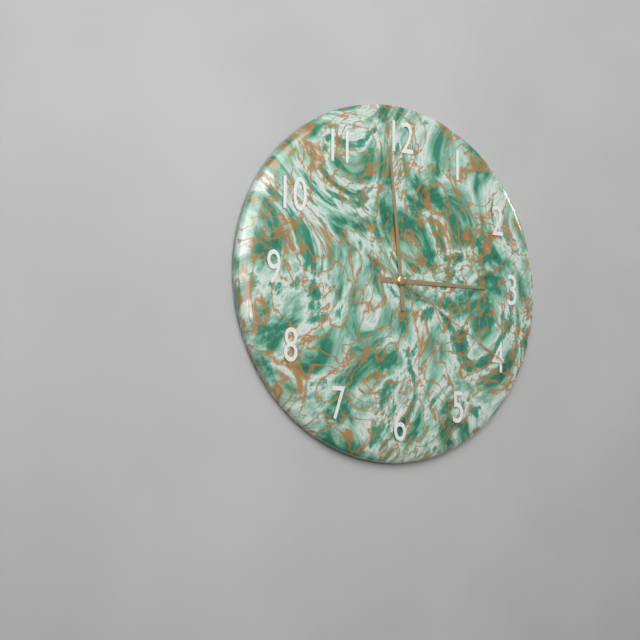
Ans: 2:59:20
